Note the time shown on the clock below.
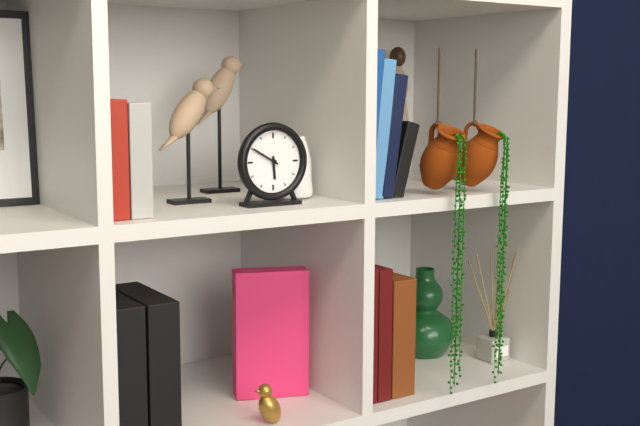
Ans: 5:50
